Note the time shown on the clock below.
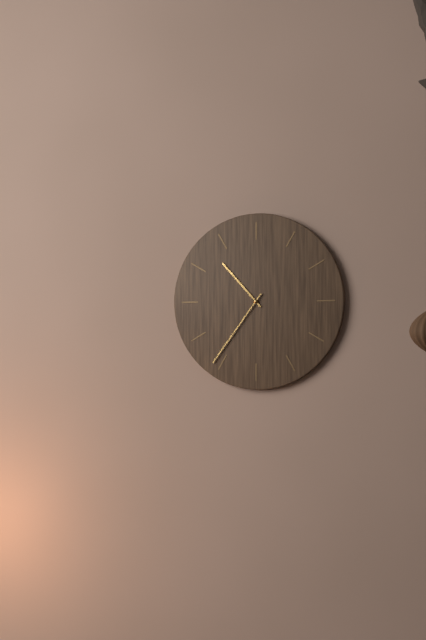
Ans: 10:36
